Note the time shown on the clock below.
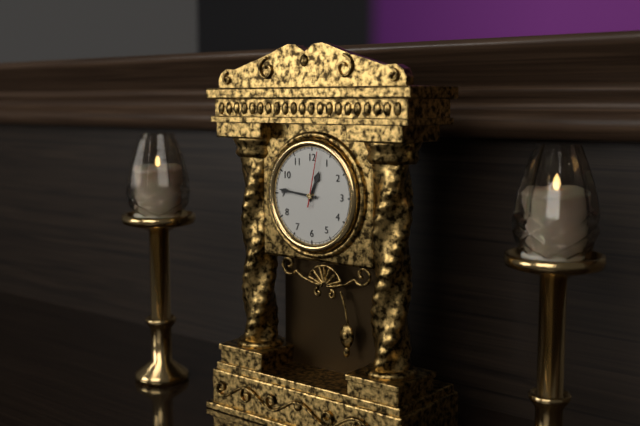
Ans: 12:46:02
